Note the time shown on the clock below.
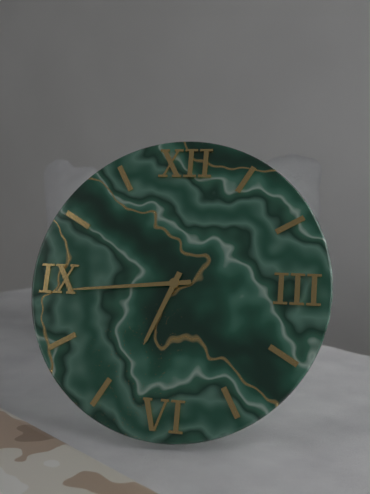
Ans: 6:44
